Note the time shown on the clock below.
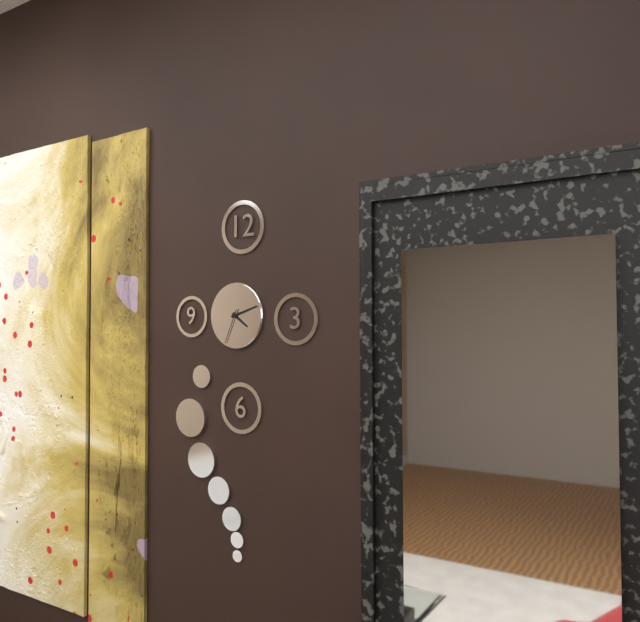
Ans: 4:12
